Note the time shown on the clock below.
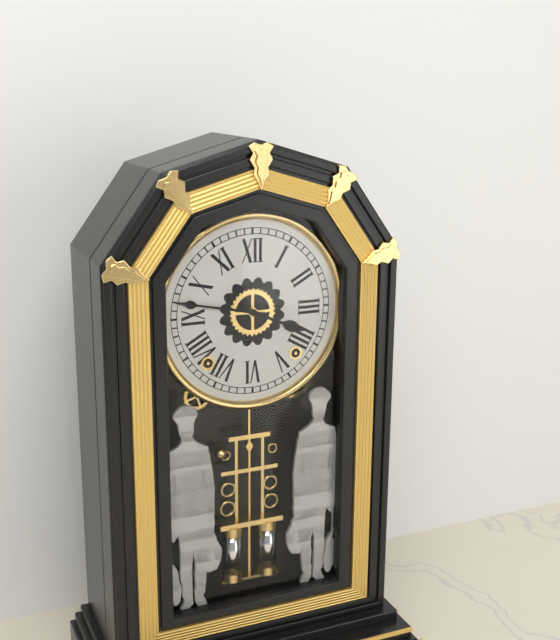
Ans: 3:47
